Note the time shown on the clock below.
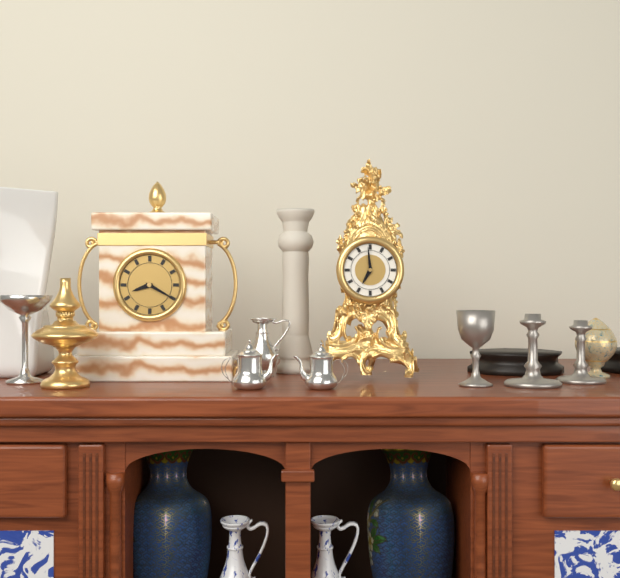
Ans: 6:59
